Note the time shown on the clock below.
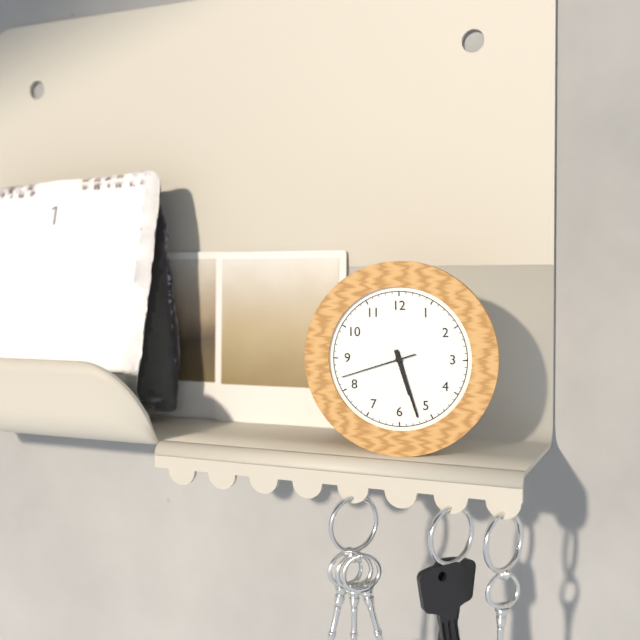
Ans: 5:27:42
